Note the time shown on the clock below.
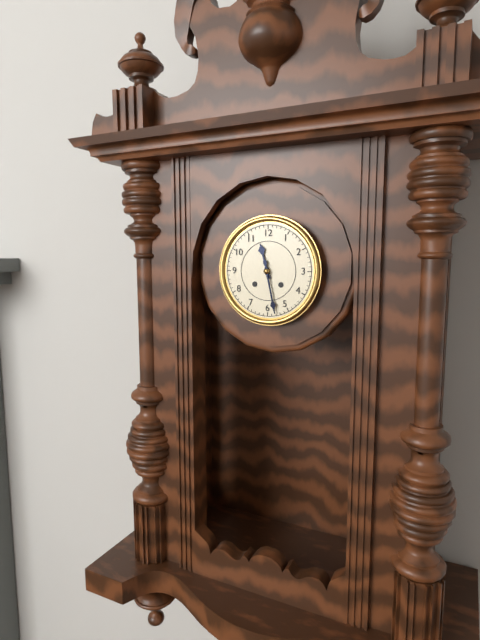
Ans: 11:28
